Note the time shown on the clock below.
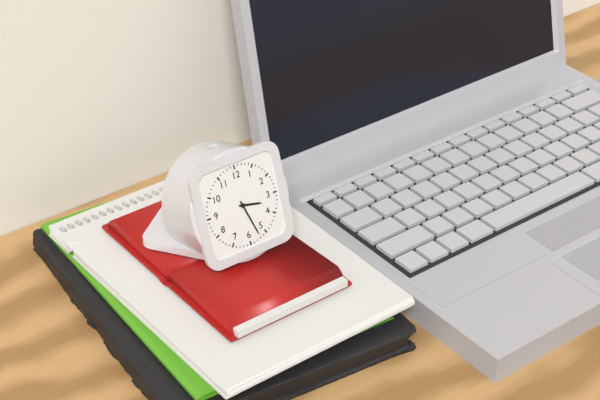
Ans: 3:27
